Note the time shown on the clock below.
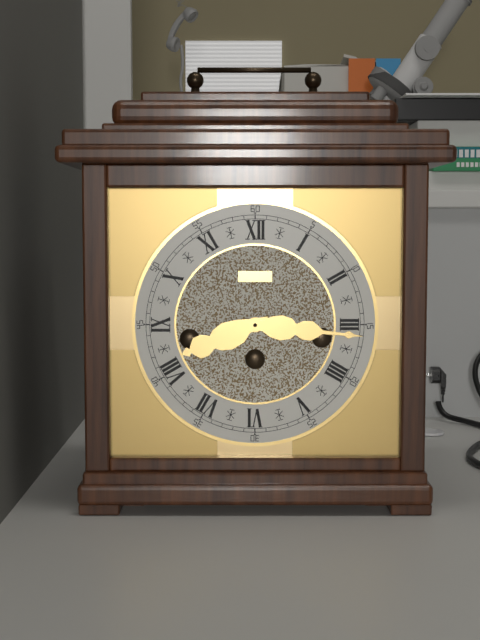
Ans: 8:16
